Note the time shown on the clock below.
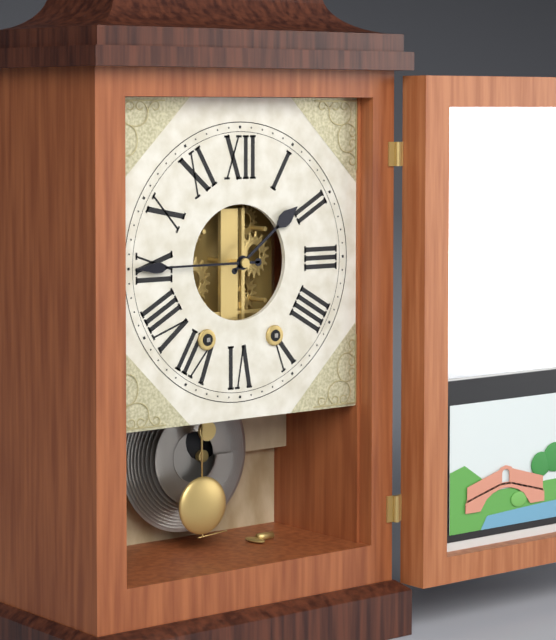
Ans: 1:45
